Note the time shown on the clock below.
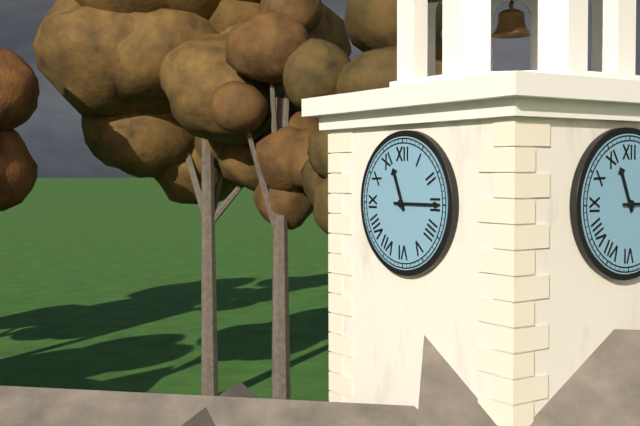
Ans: 11:15
